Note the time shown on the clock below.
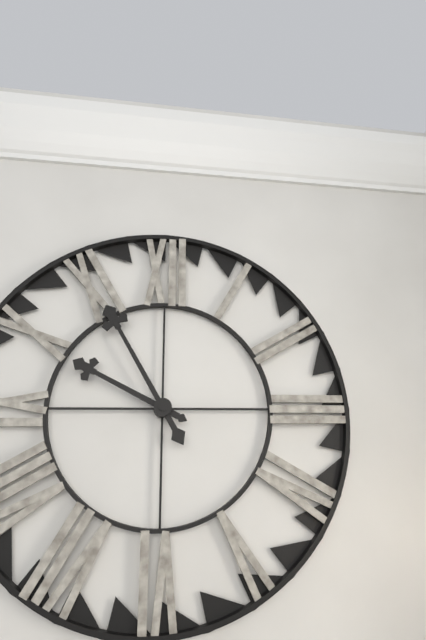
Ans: 9:55
